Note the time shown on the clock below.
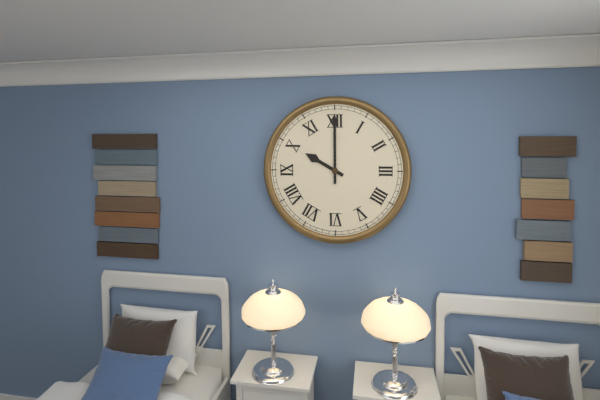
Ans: 10:00
